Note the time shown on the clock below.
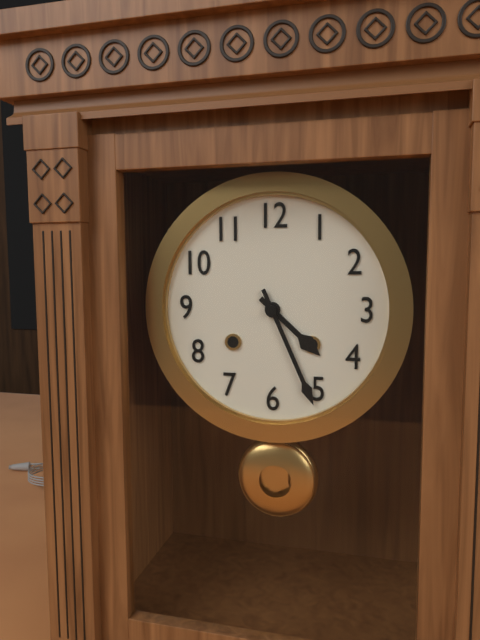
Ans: 4:26
